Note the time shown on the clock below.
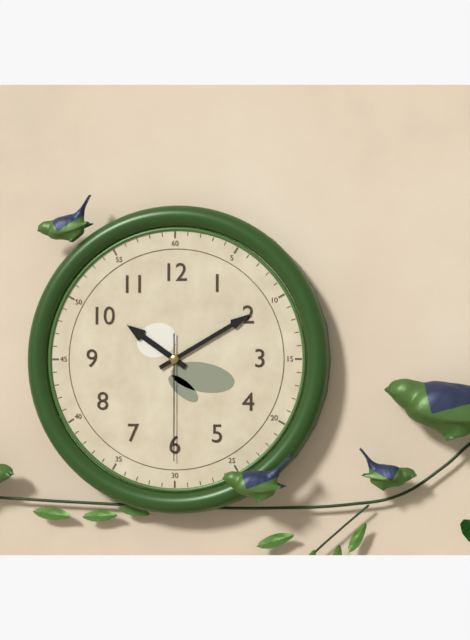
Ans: 10:10:30
